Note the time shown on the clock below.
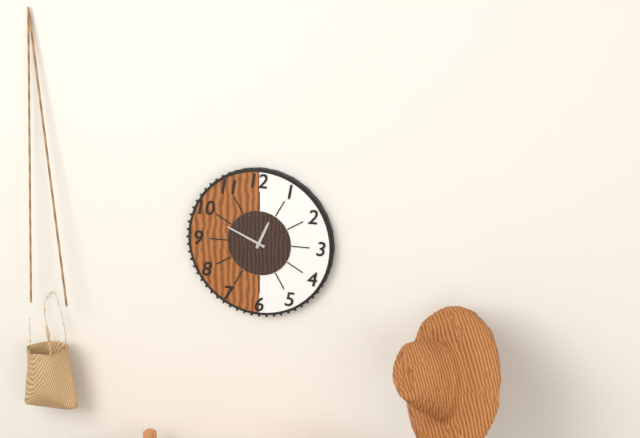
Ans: 12:49
